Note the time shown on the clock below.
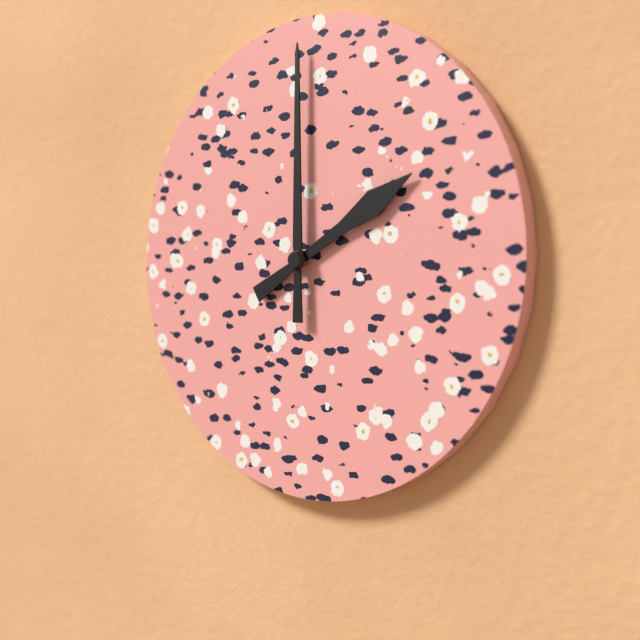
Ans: 2:00
